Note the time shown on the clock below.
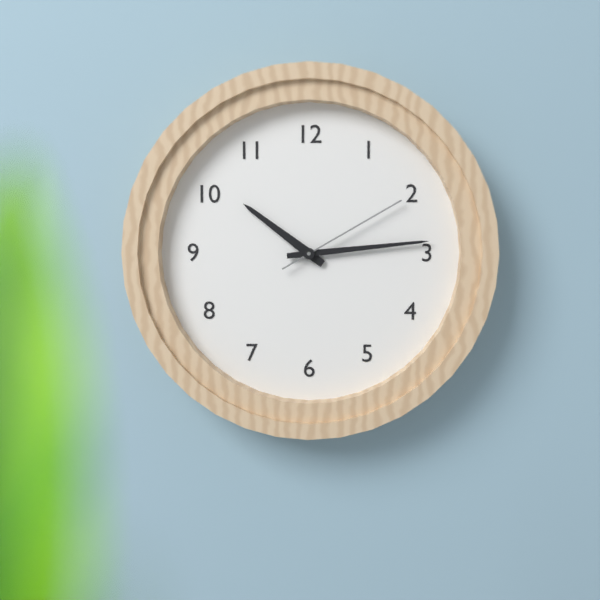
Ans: 10:14:10
